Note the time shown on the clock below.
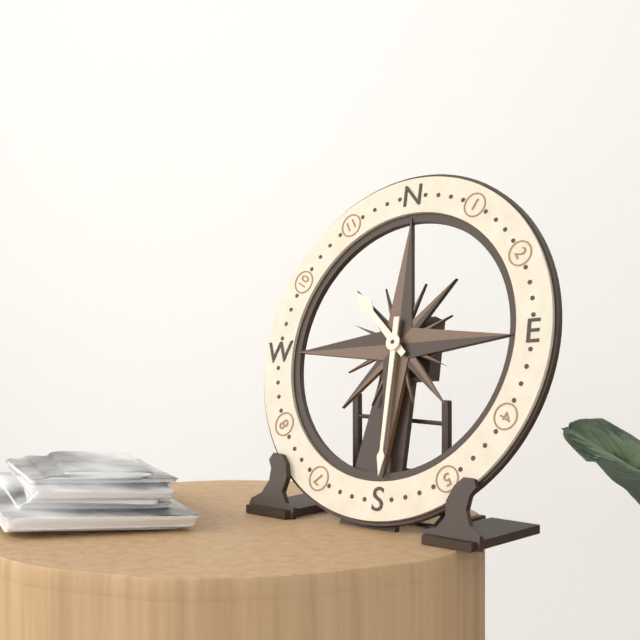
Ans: 10:30
